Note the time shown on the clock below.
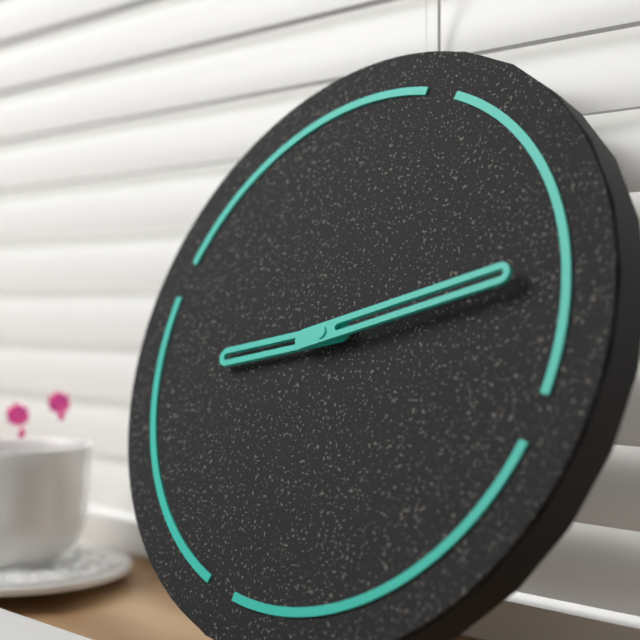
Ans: 8:10
